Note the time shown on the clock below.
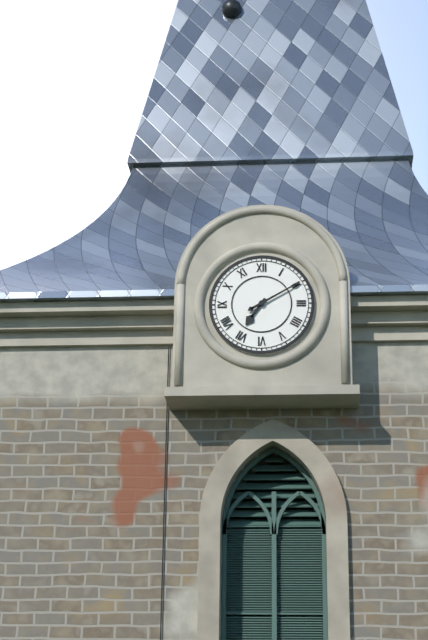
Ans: 7:10
